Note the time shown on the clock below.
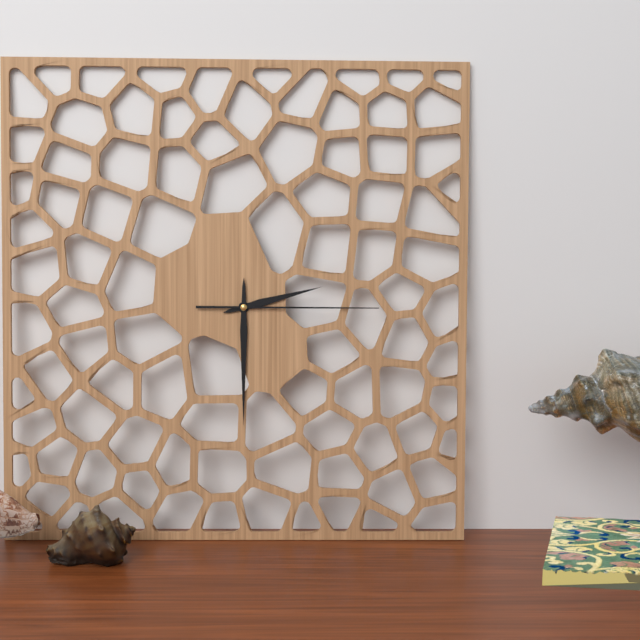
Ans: 2:30:15
